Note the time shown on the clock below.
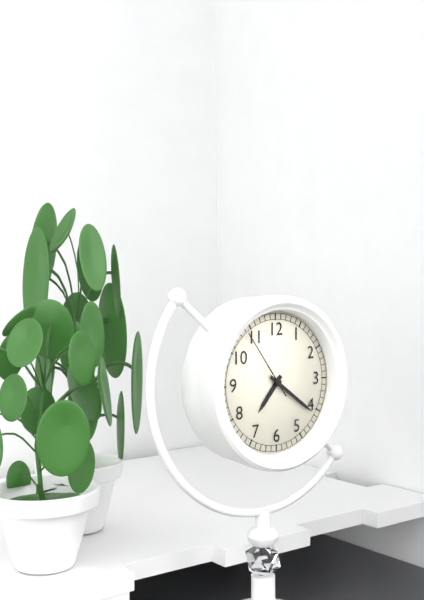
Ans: 7:21:54
